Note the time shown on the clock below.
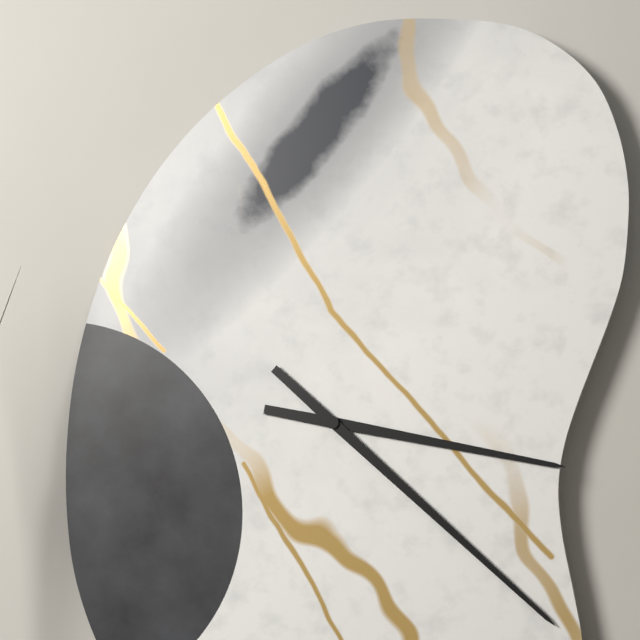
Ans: 3:22
